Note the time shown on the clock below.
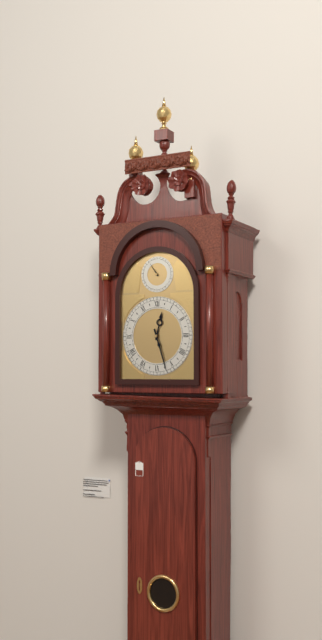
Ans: 12:27
